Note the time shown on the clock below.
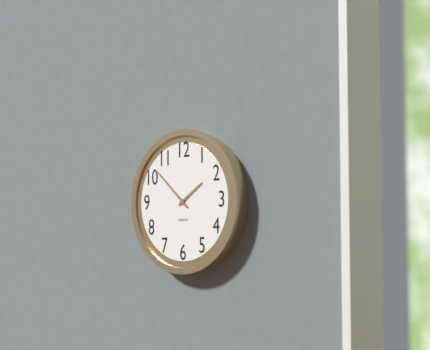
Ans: 1:52
